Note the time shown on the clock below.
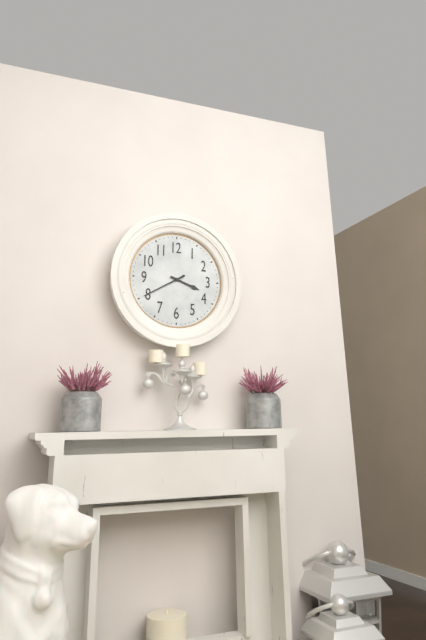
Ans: 3:40
